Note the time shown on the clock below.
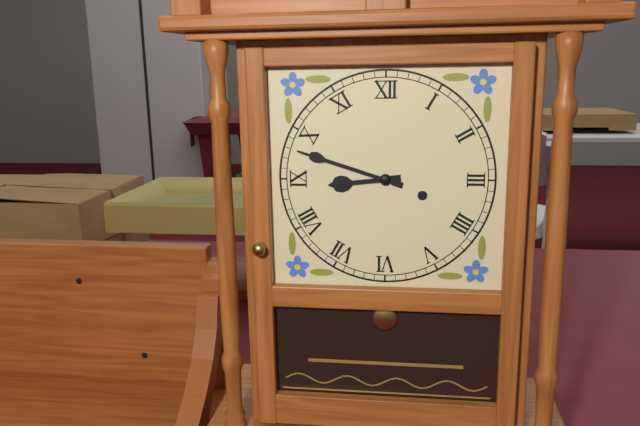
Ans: 8:48
